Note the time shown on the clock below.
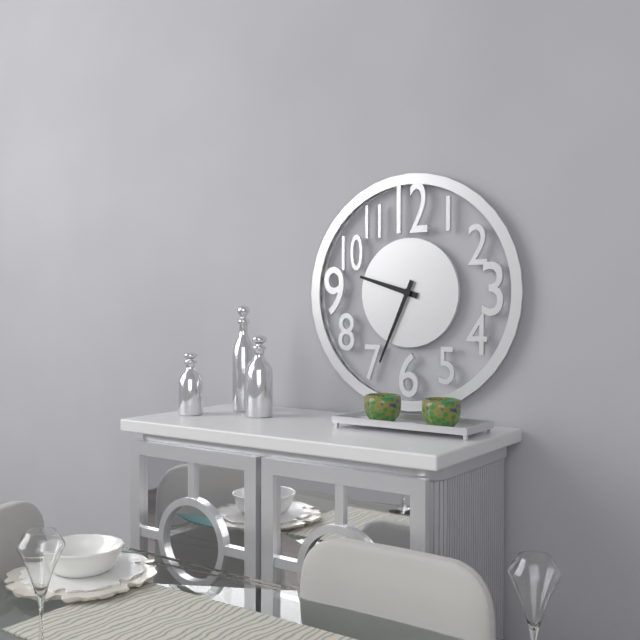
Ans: 9:34
